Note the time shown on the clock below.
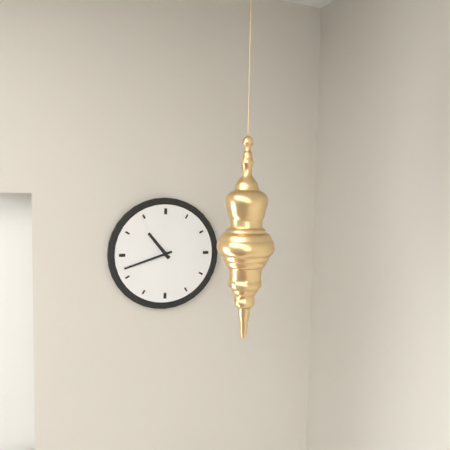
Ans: 10:42
